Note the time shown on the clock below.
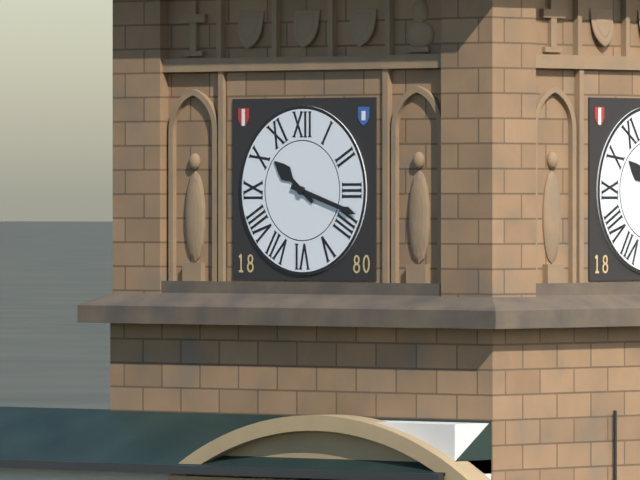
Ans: 10:18
